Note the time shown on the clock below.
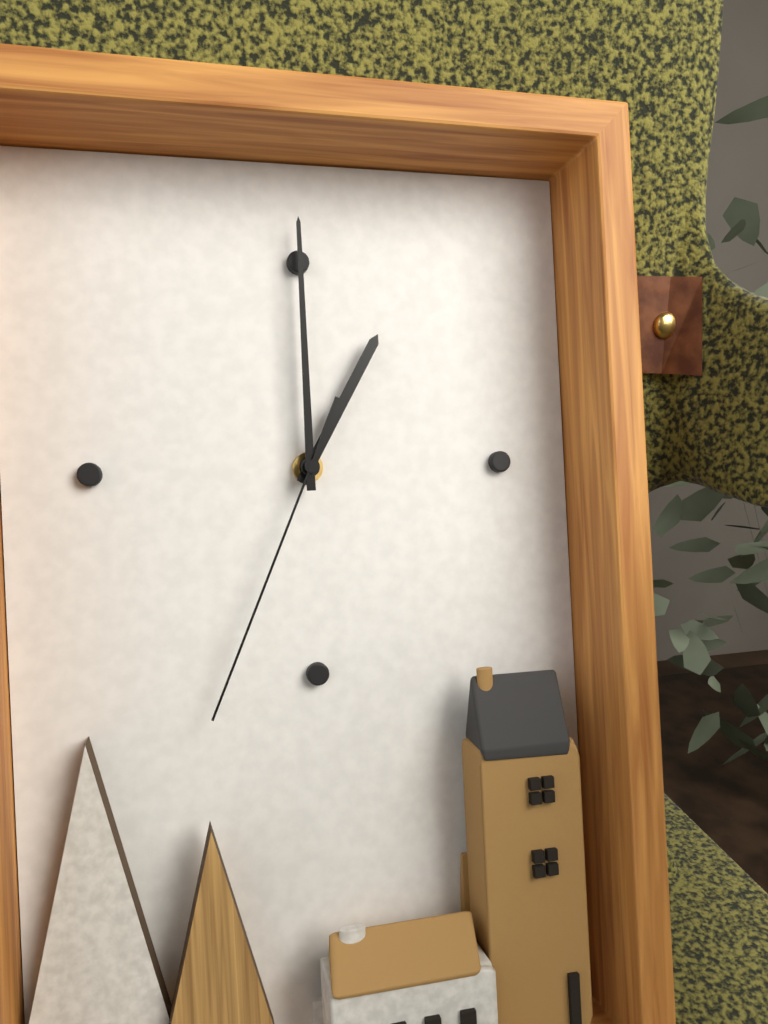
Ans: 1:00:34
